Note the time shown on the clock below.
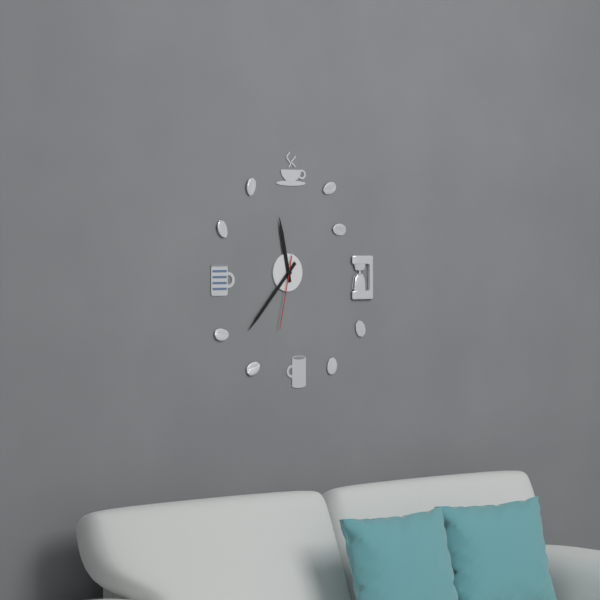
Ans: 11:37:32
